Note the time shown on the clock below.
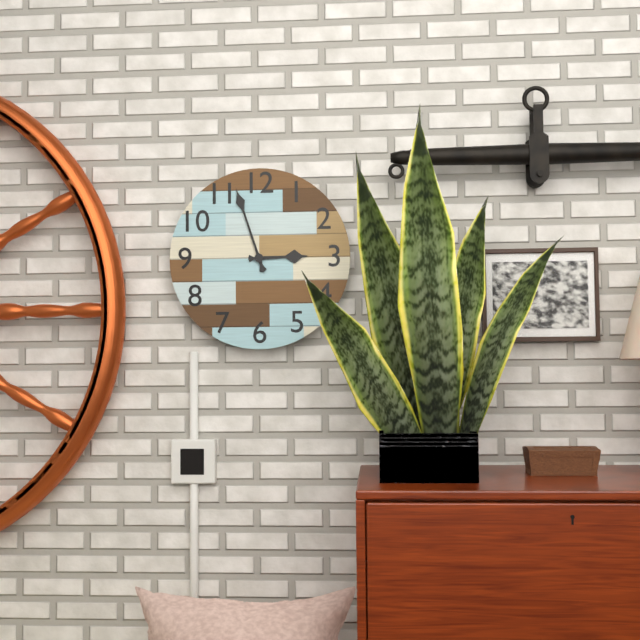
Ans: 2:57
